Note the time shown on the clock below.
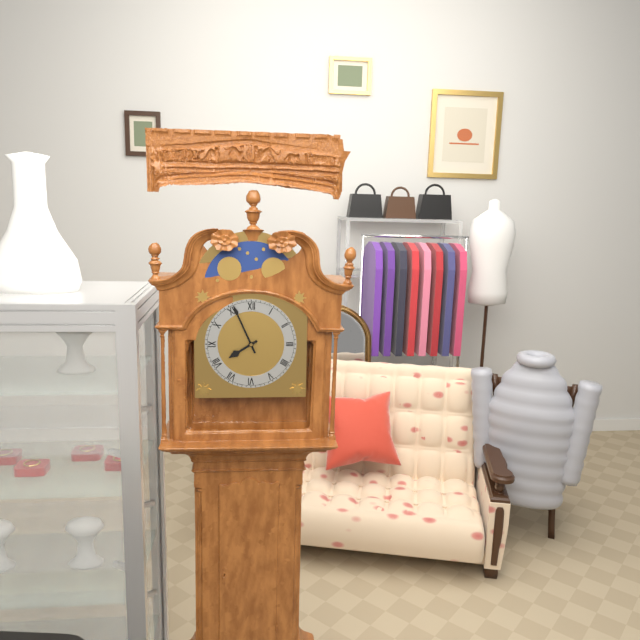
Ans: 7:56
